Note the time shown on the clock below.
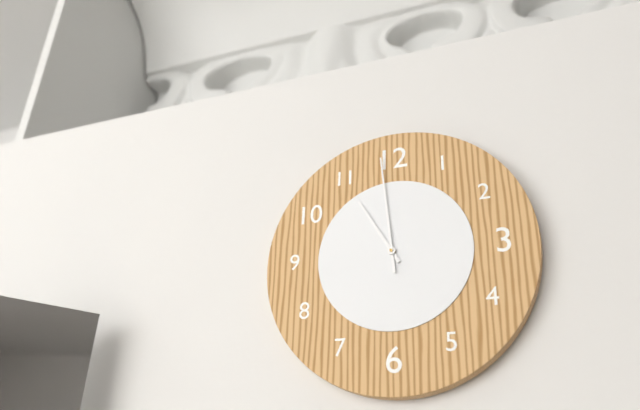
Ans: 10:59
